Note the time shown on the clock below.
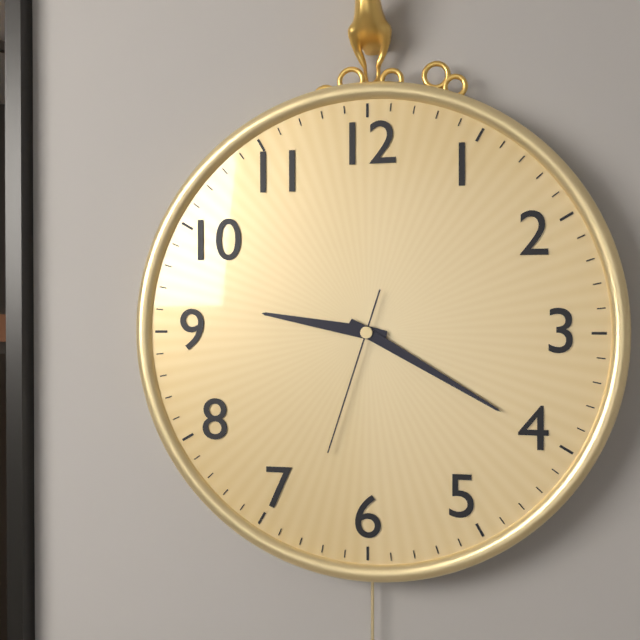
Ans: 9:20:33
